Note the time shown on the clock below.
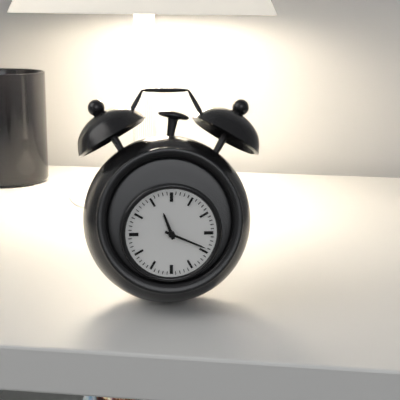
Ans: 11:19
